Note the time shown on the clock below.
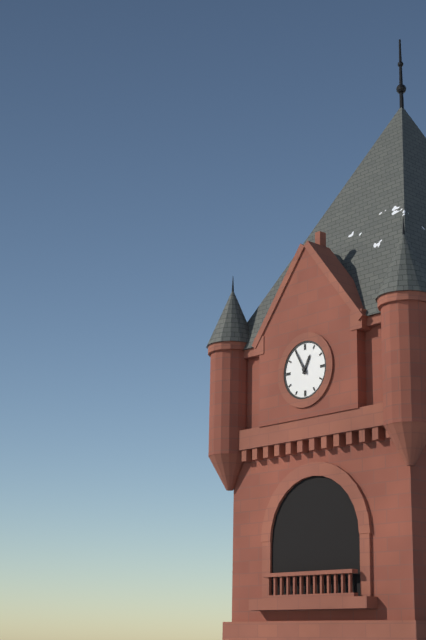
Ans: 12:55
